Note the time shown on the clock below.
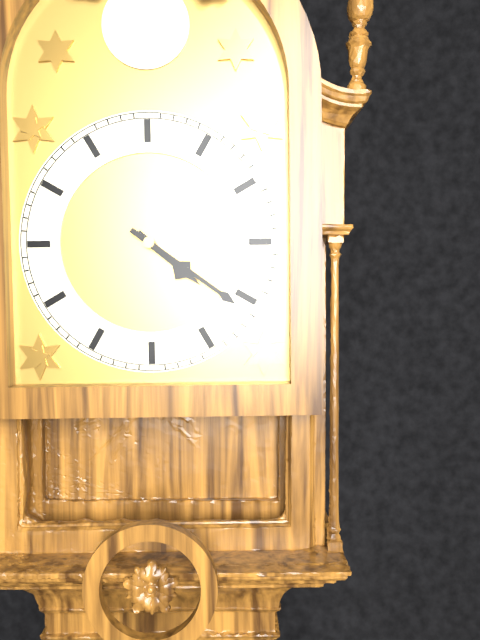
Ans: 4:21
